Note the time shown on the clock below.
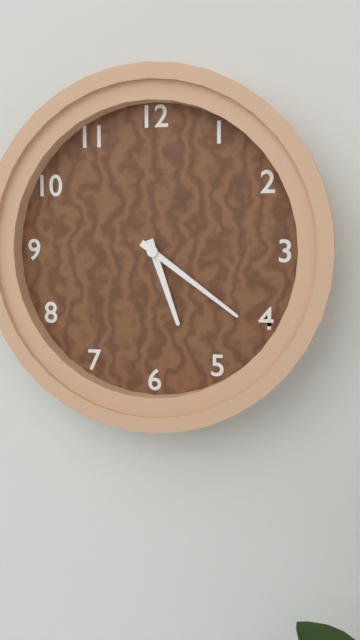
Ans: 5:21
